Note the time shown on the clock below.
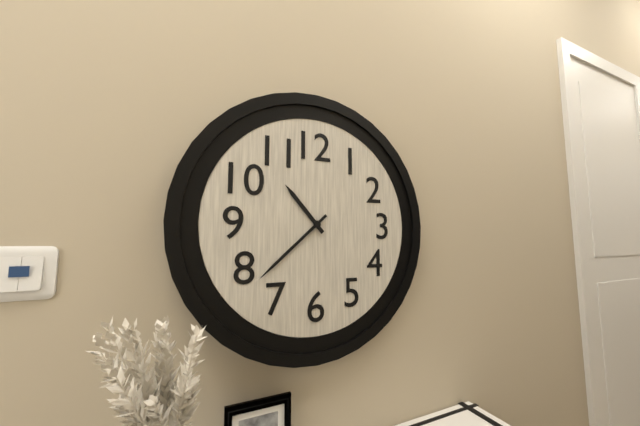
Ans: 10:38
